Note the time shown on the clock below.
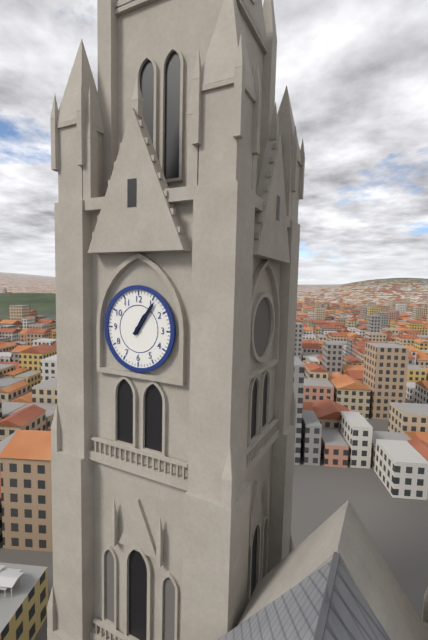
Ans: 1:06
